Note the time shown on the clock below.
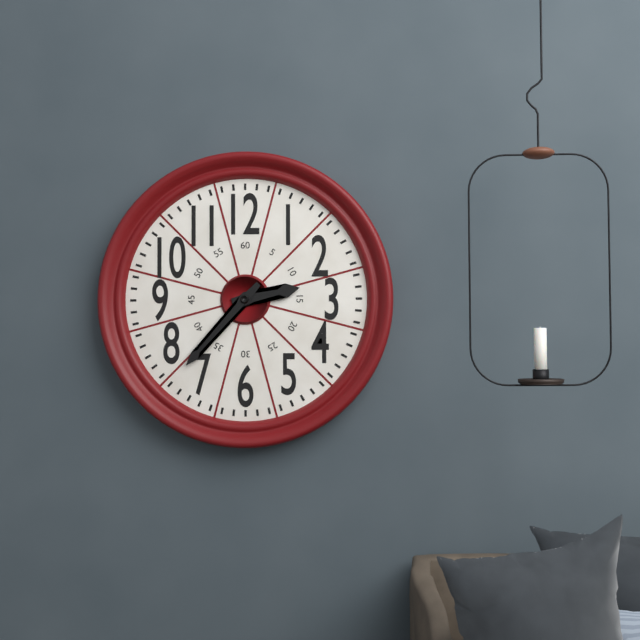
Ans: 2:37
